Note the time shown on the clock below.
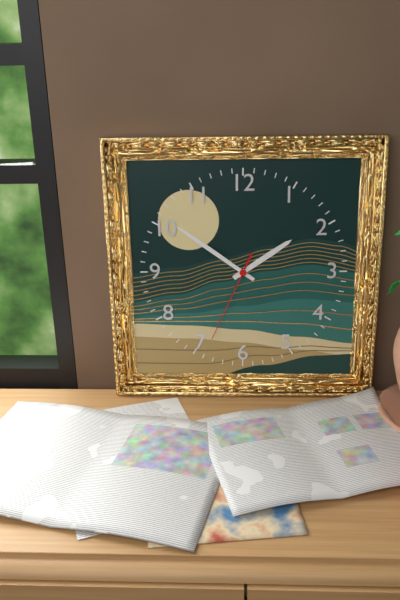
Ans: 1:51:34
